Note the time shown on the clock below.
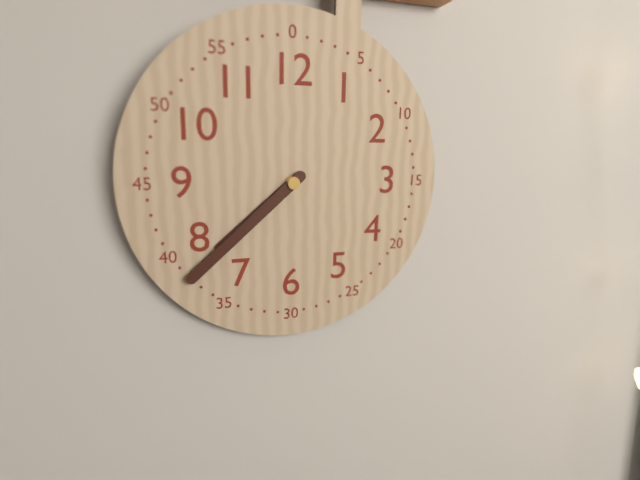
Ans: 7:38
